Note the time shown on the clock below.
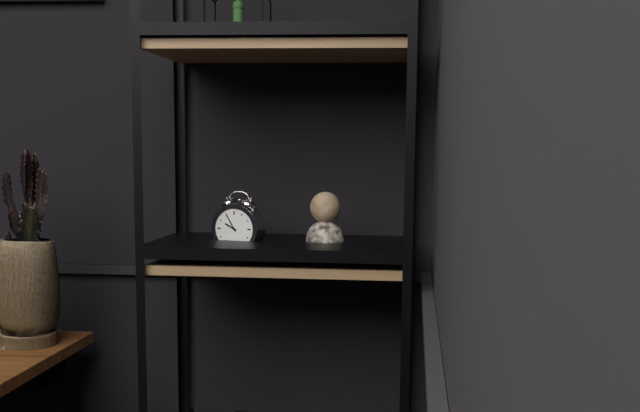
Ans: 9:55
